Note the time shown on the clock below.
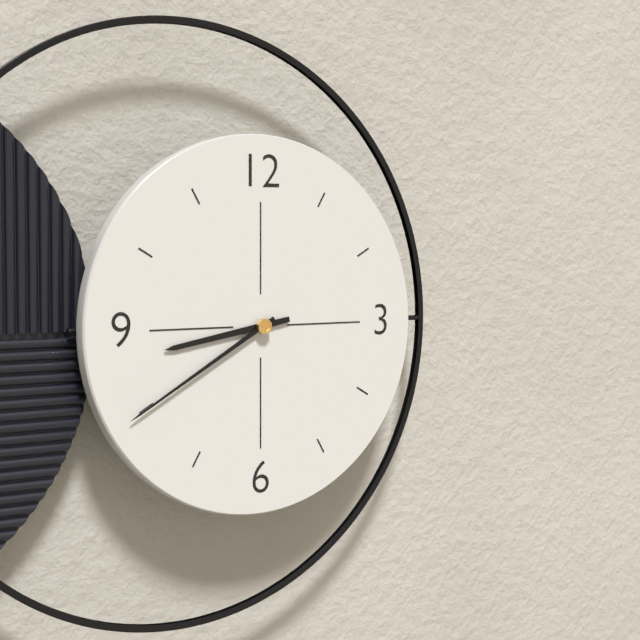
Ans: 8:40
